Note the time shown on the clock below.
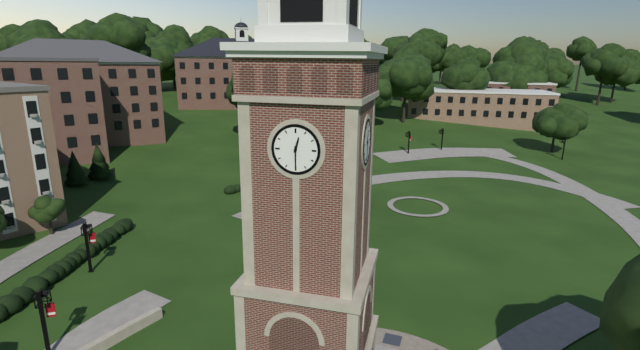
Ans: 12:30
